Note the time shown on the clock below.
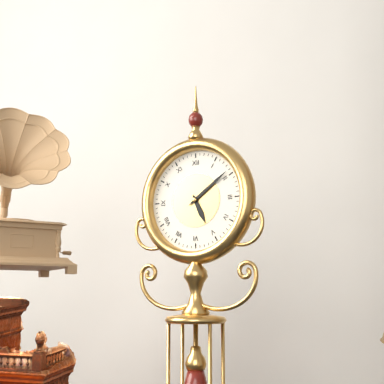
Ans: 5:09
